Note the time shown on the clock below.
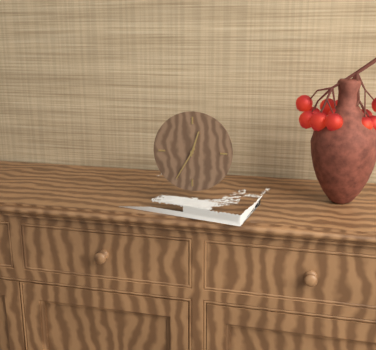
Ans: 12:35
